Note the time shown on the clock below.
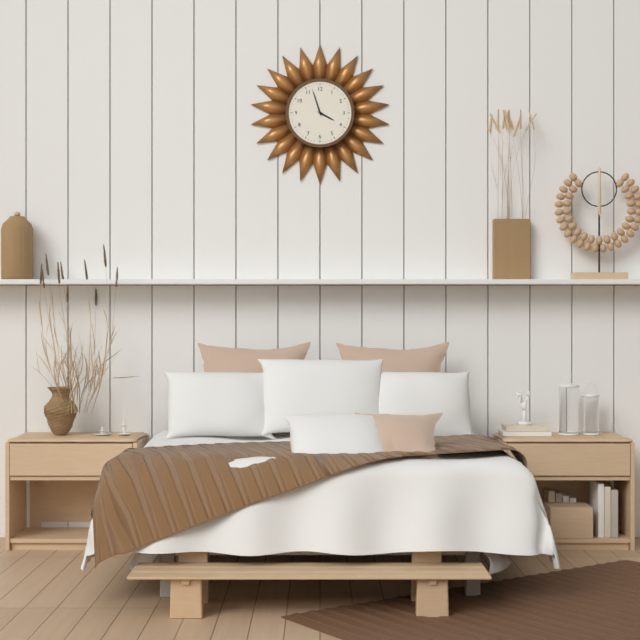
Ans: 3:57
